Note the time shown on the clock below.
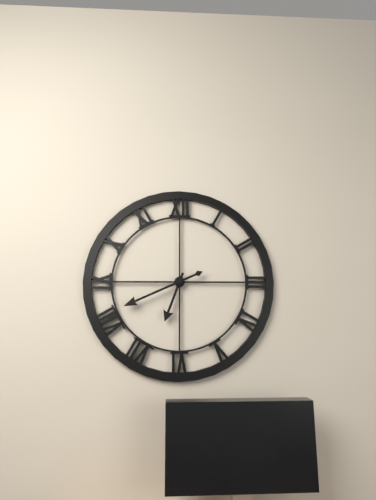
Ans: 6:41
